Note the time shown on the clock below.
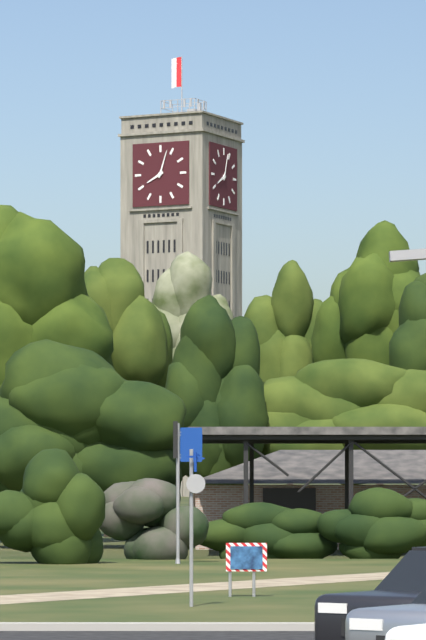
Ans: 8:03
